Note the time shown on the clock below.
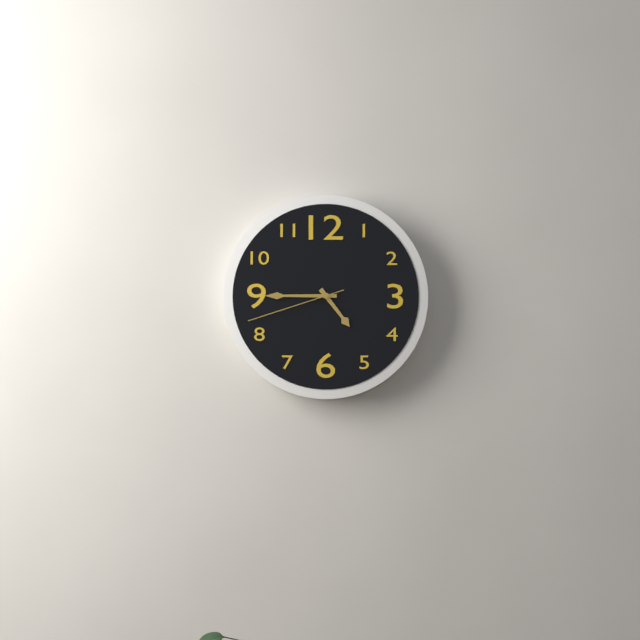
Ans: 4:45:42
